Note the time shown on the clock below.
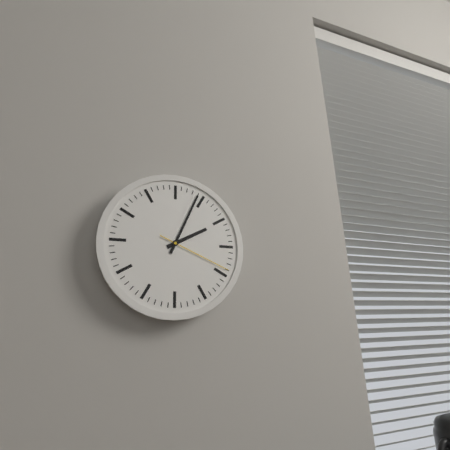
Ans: 2:04:19
